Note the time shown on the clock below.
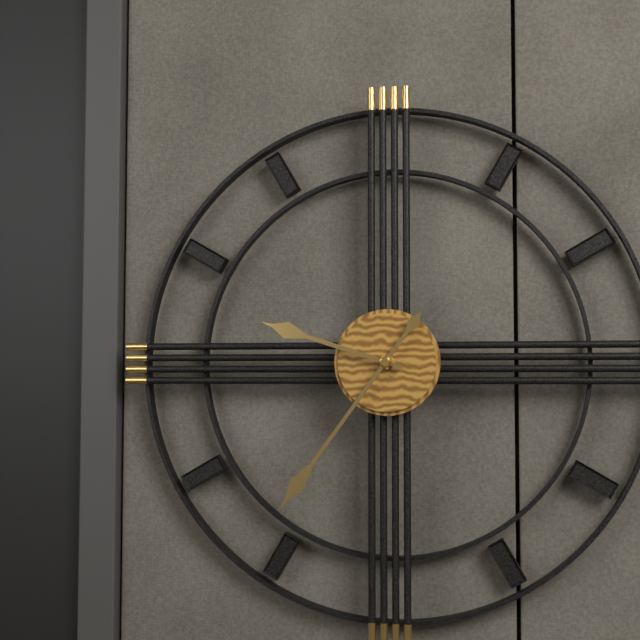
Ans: 9:36
